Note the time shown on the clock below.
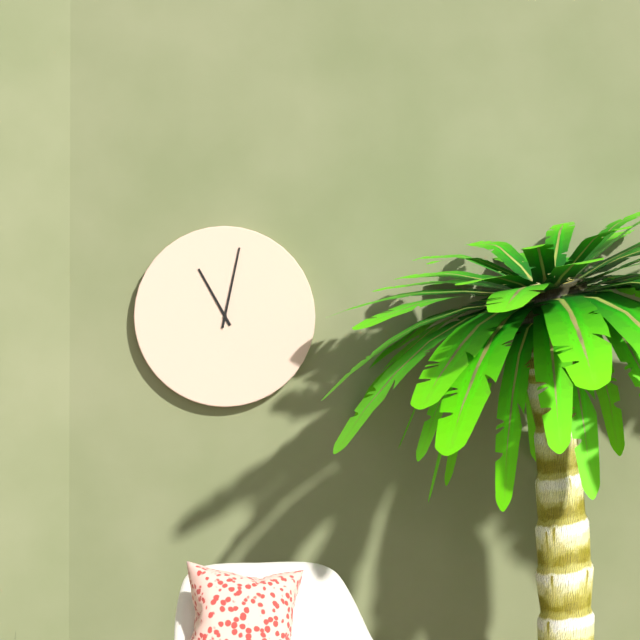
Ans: 11:02
